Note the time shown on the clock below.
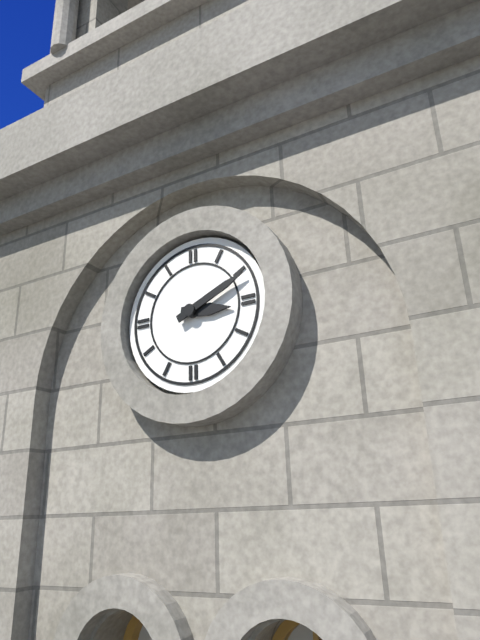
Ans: 3:11
